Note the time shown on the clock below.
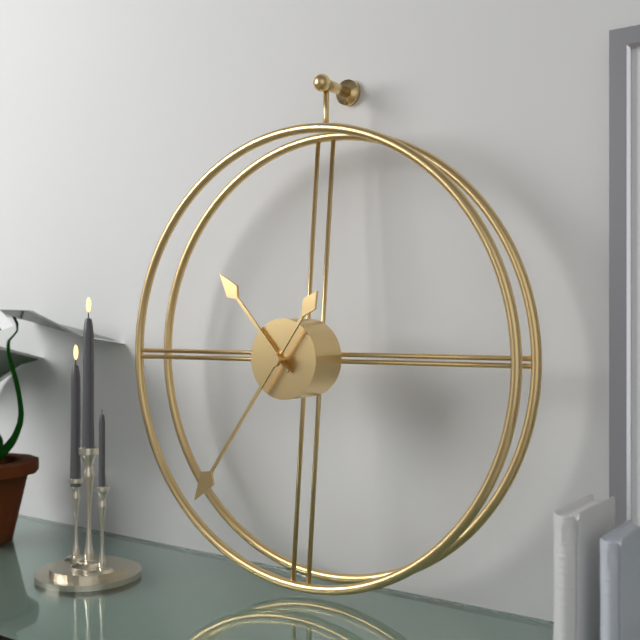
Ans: 10:36
